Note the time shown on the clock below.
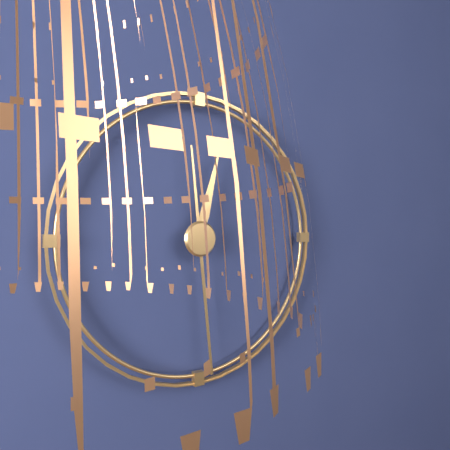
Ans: 12:29
